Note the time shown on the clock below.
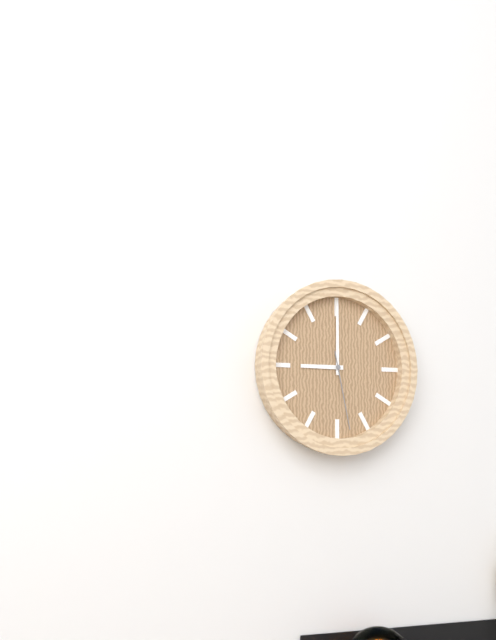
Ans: 9:00:28
